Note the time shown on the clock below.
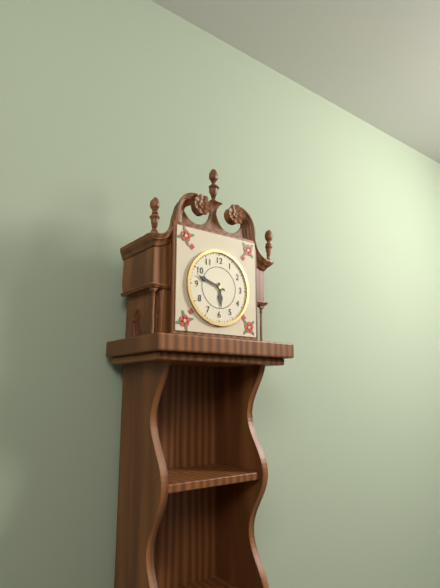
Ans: 5:48
